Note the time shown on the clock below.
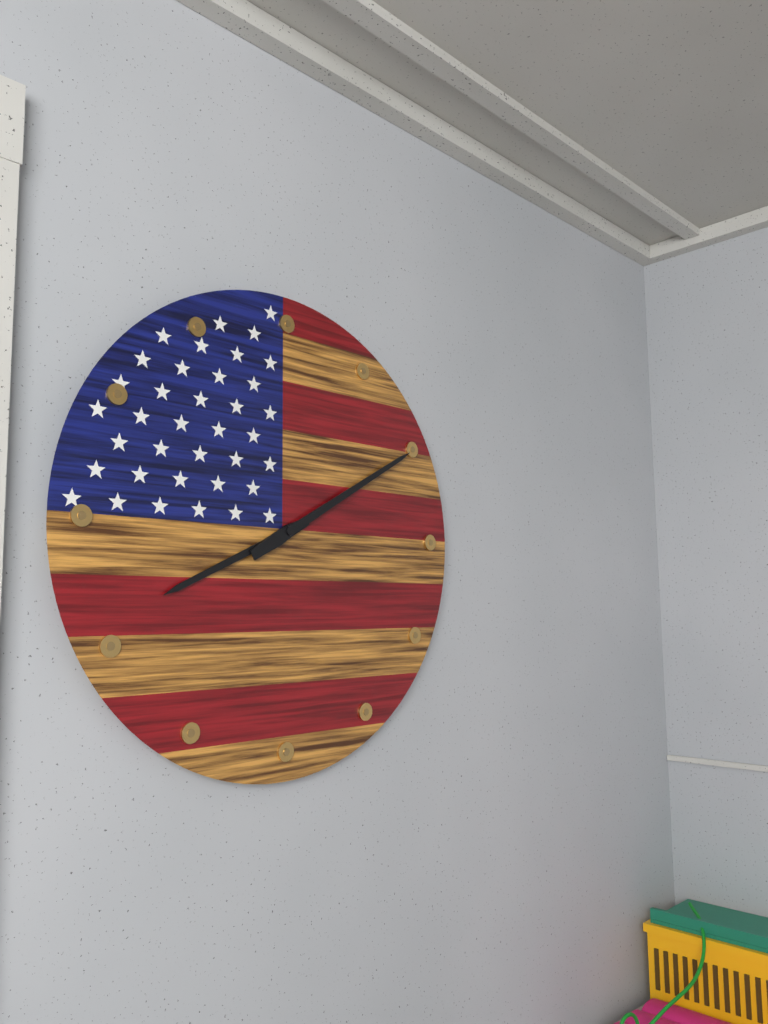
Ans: 8:10
